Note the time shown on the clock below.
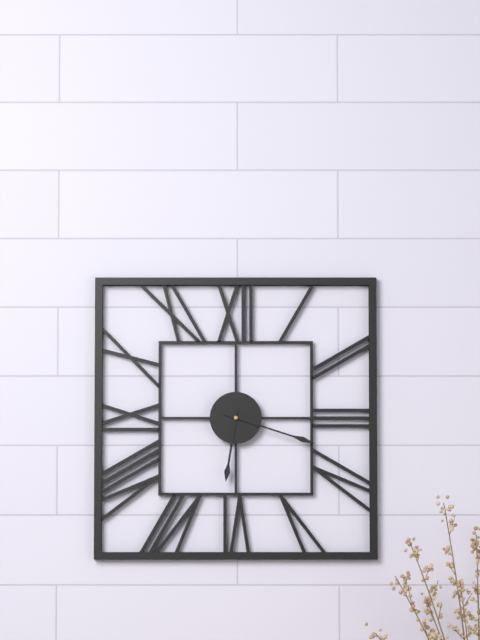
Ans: 6:18
